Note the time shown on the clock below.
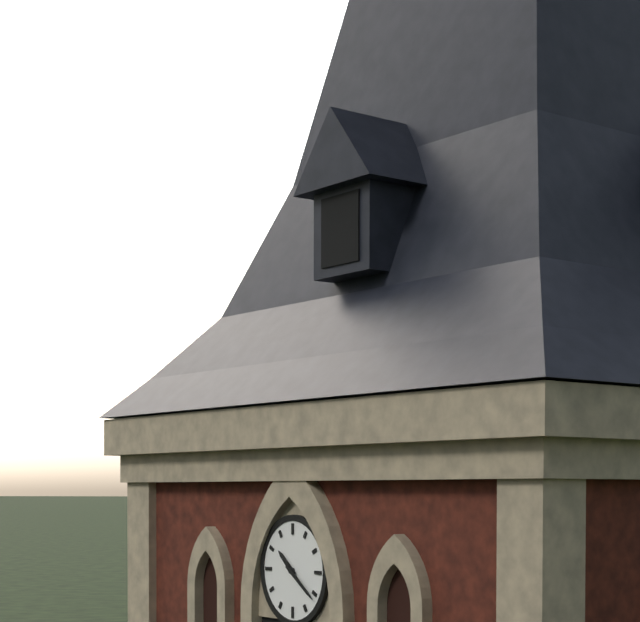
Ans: 10:21
